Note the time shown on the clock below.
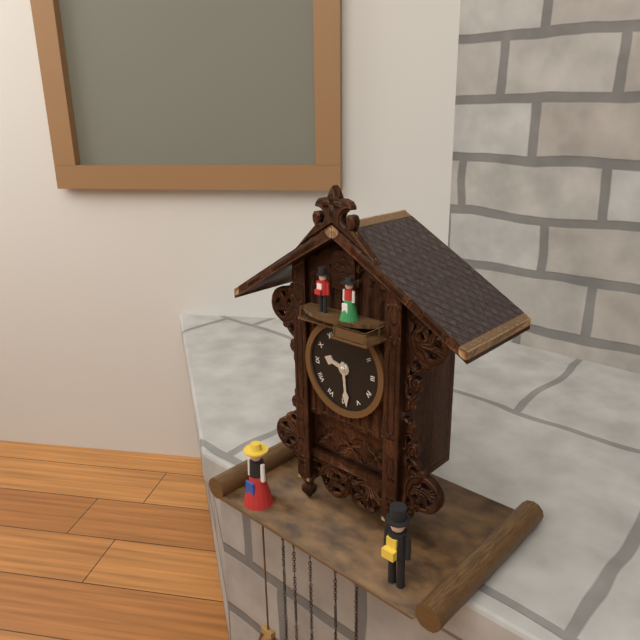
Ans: 9:29
